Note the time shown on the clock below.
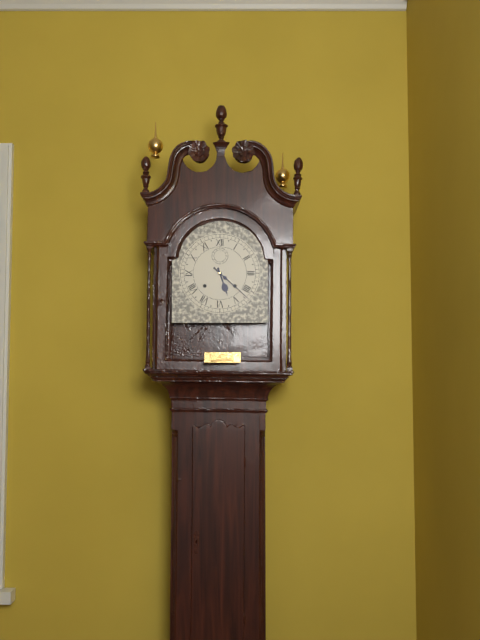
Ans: 5:22
